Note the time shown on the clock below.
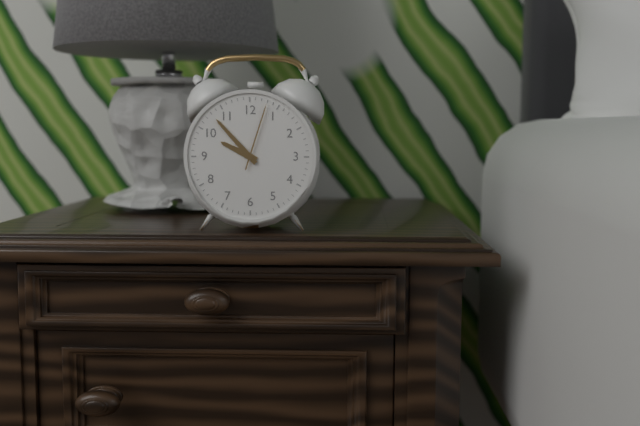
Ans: 9:53:03
